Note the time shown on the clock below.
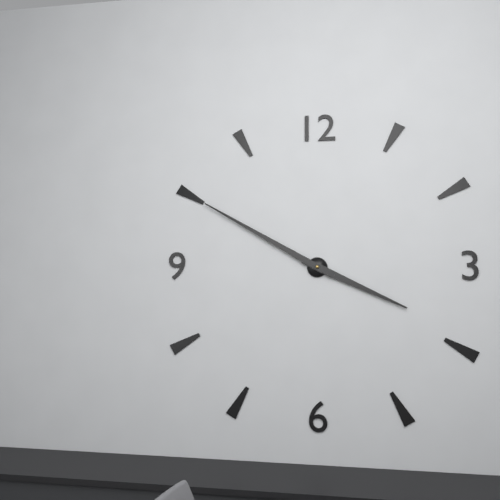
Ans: 3:50
